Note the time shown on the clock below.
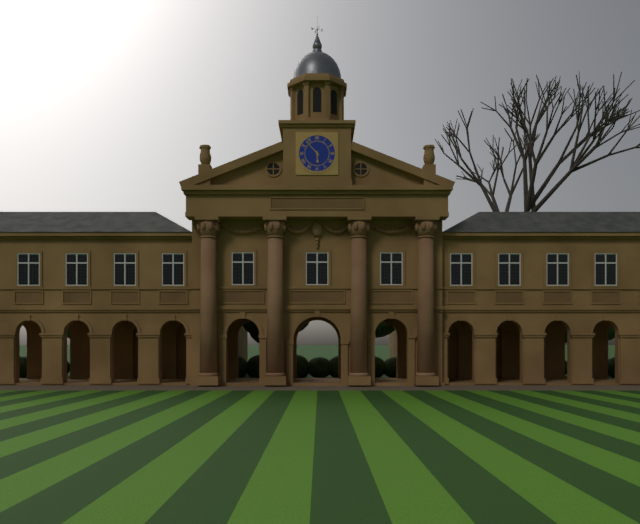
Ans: 5:53
